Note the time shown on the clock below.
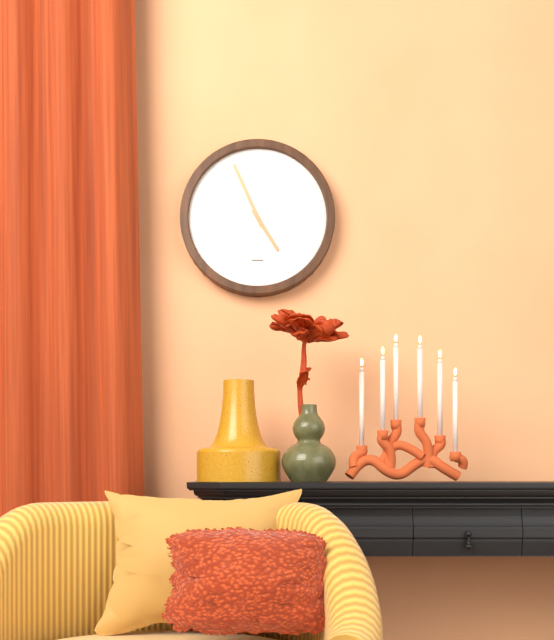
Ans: 4:56
